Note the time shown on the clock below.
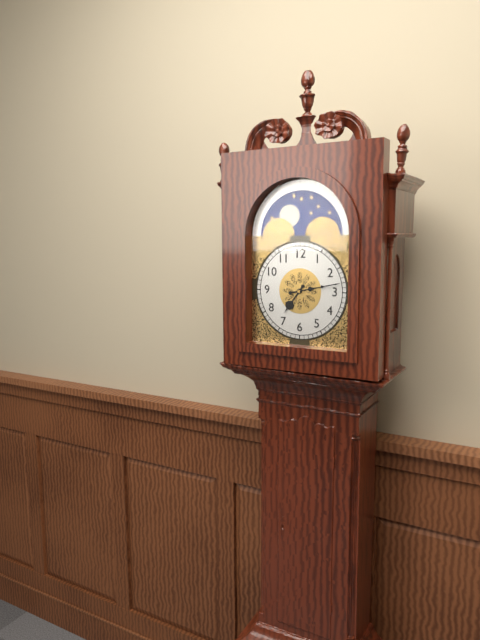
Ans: 7:13
